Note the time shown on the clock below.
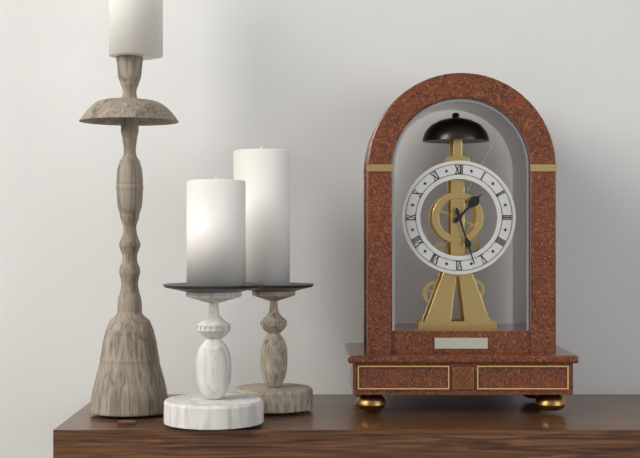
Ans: 1:27
